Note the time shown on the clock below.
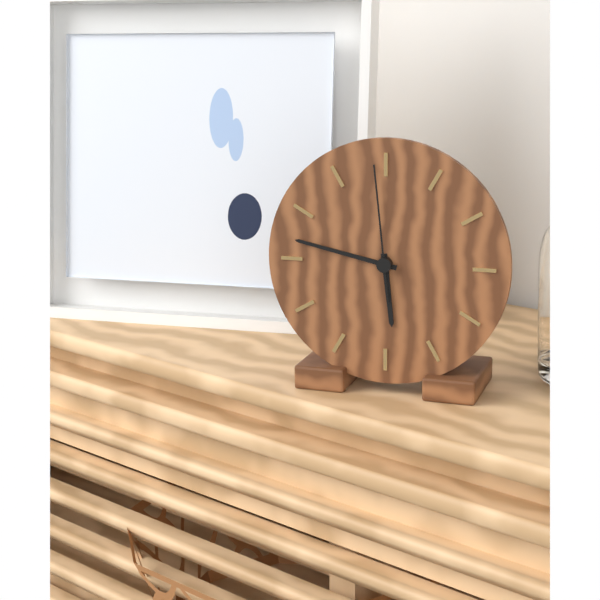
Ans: 5:47:59
